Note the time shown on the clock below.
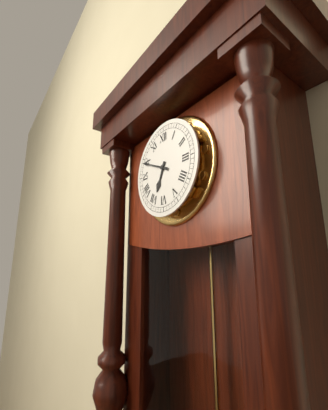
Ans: 6:49
